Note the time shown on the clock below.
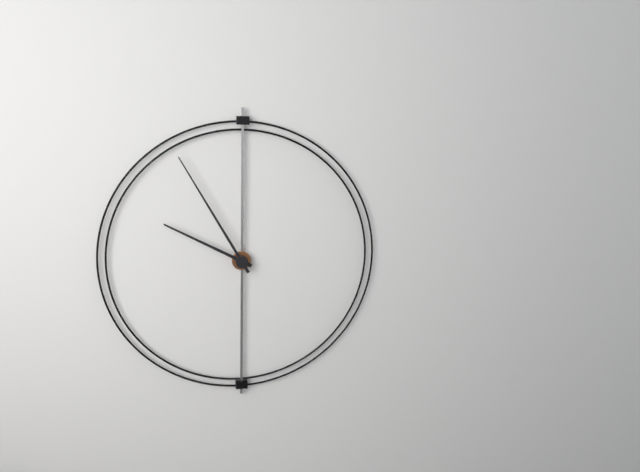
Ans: 9:55
